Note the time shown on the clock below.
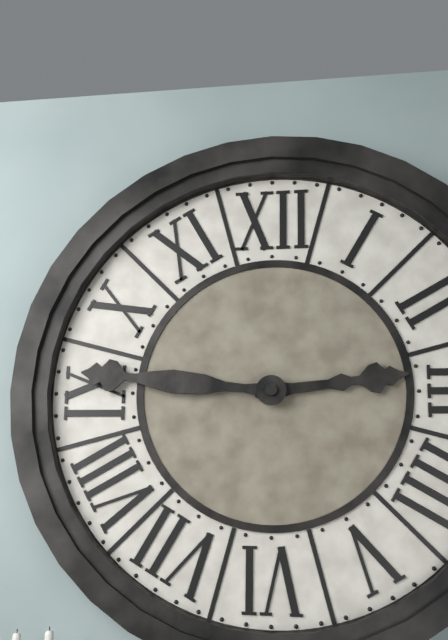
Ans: 2:46
